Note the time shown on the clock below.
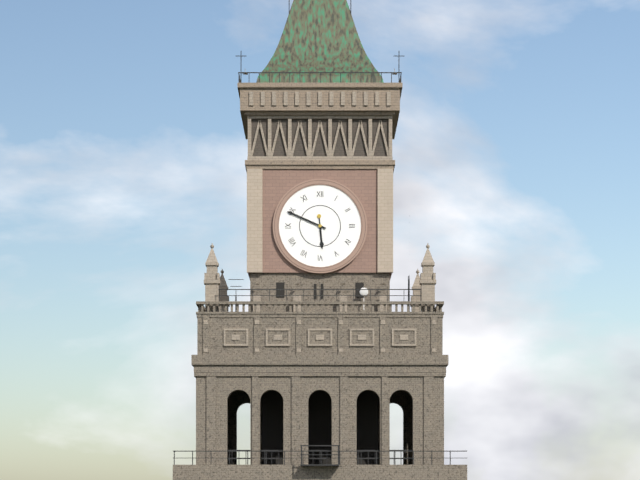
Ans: 5:49
